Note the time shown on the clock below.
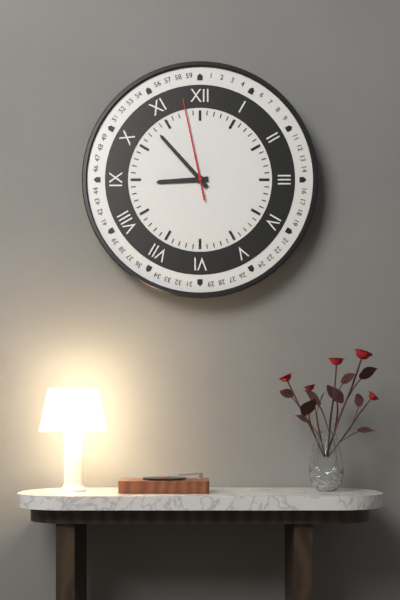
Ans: 8:53:58
